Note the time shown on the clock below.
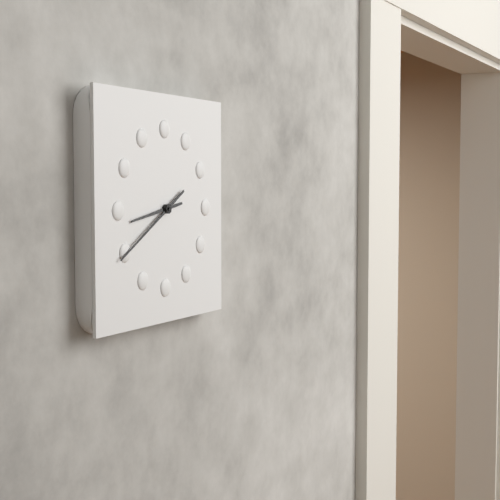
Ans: 8:40
